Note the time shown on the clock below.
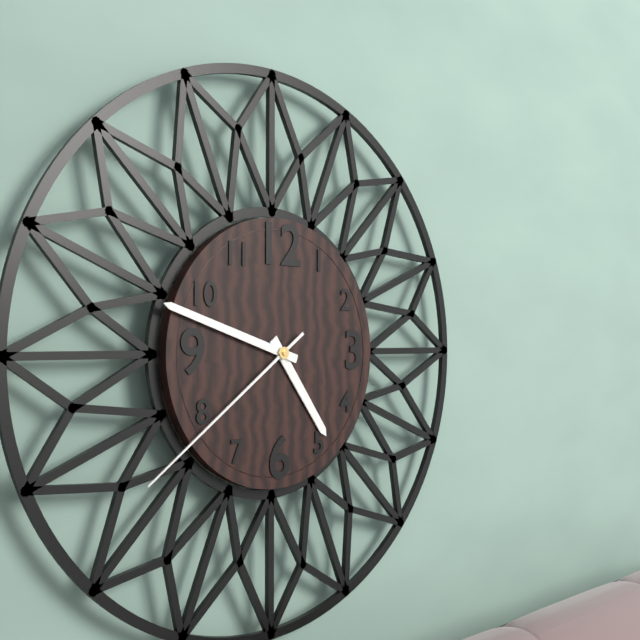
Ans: 4:48:39
